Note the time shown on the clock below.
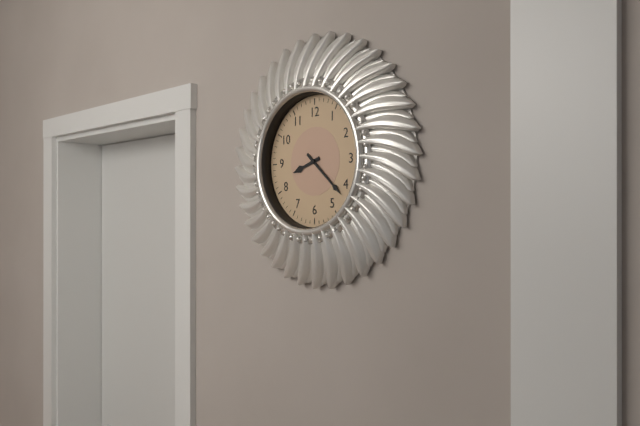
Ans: 8:22
